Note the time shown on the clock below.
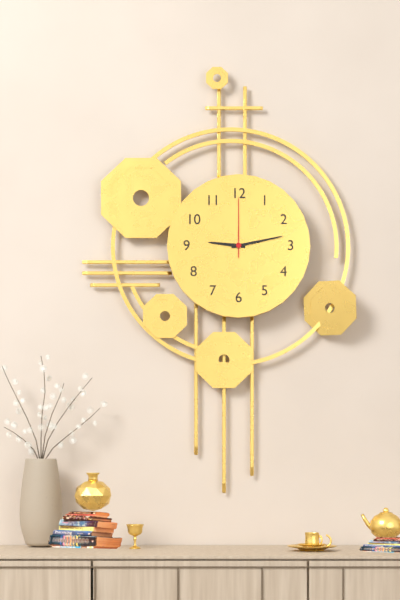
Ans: 9:13:00
